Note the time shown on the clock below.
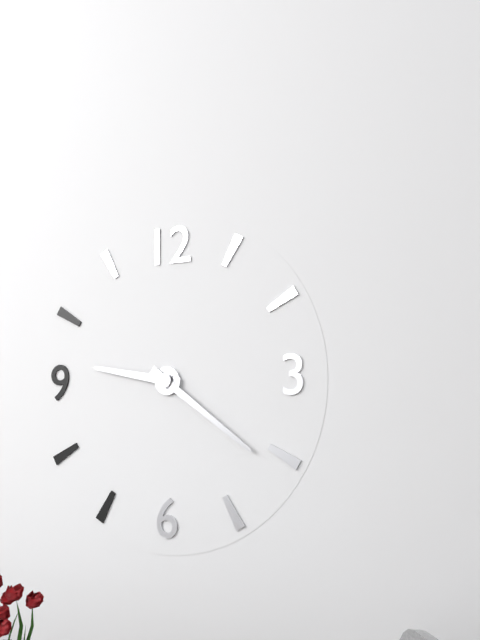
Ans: 9:21
